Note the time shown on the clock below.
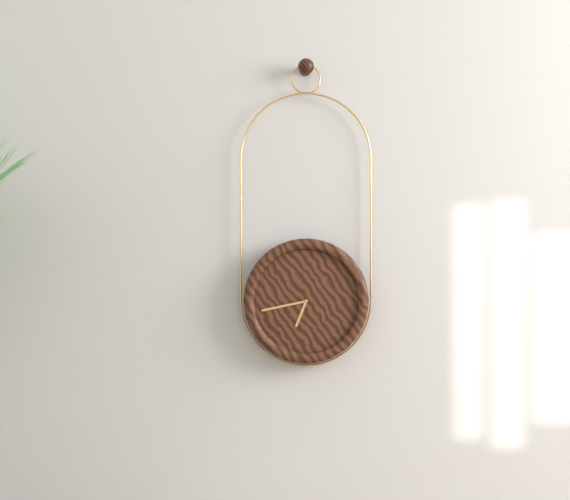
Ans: 6:43
